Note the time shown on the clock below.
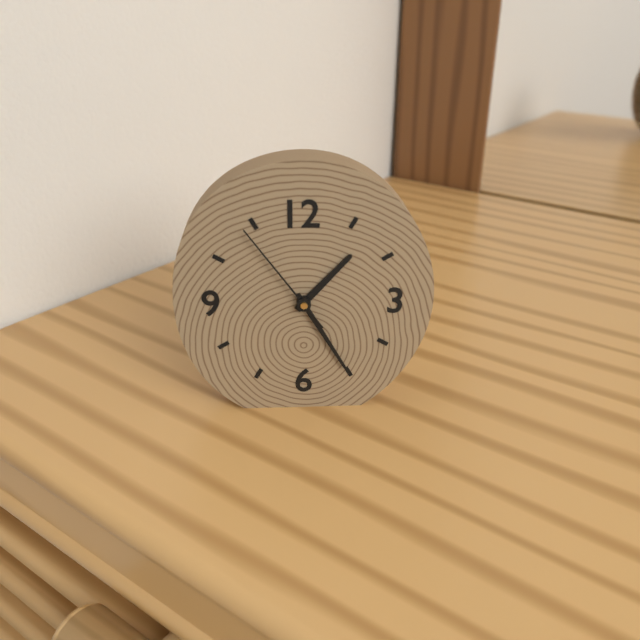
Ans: 1:25:54
